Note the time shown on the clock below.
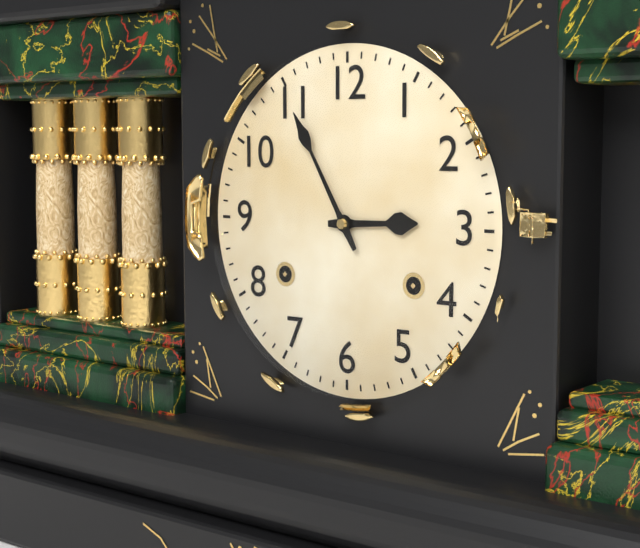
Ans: 2:55
